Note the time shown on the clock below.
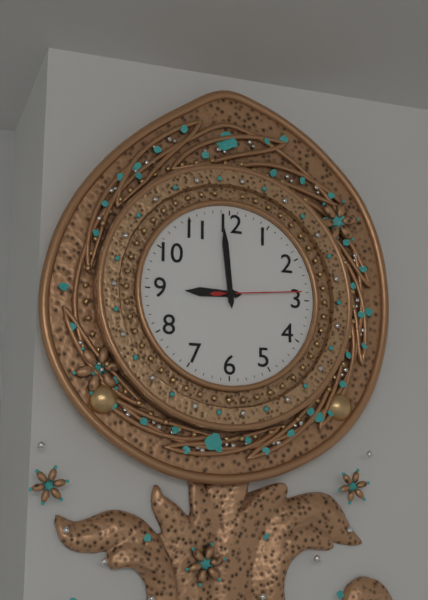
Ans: 8:59:14
